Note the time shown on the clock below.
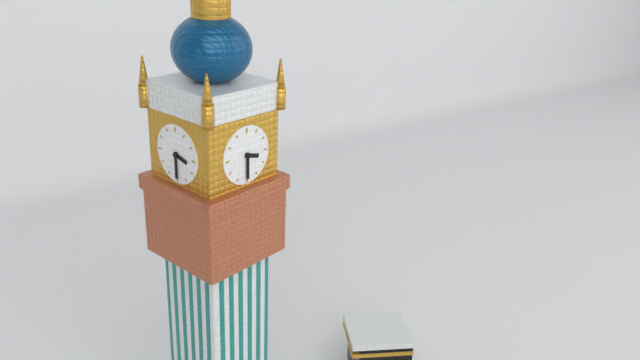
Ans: 3:30
